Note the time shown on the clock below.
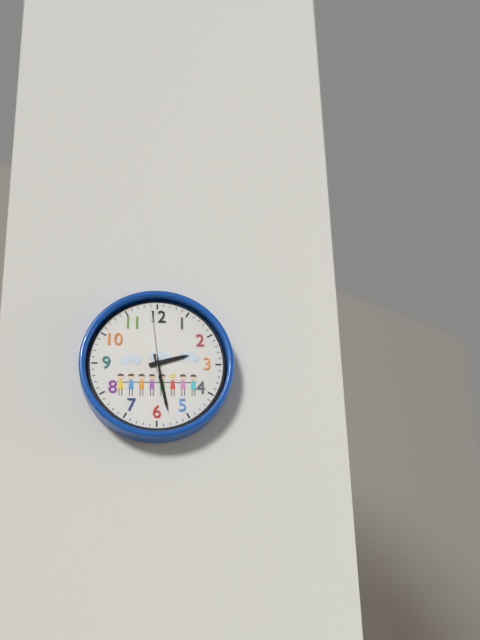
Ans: 2:28:59
